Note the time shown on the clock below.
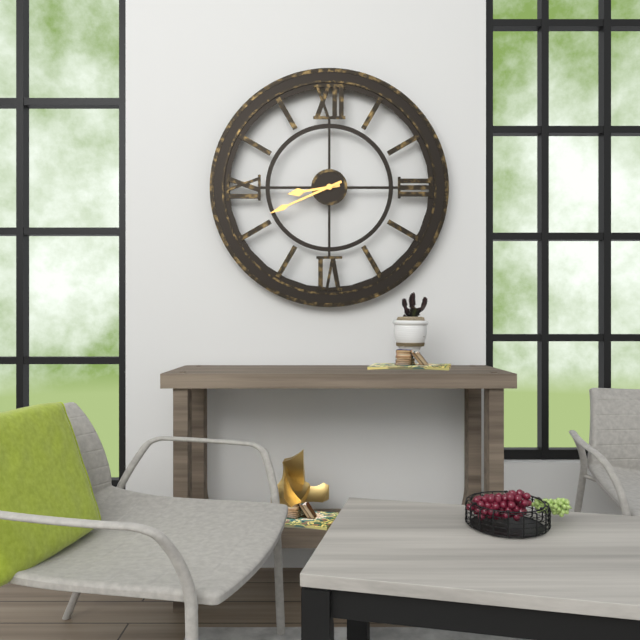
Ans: 8:41
